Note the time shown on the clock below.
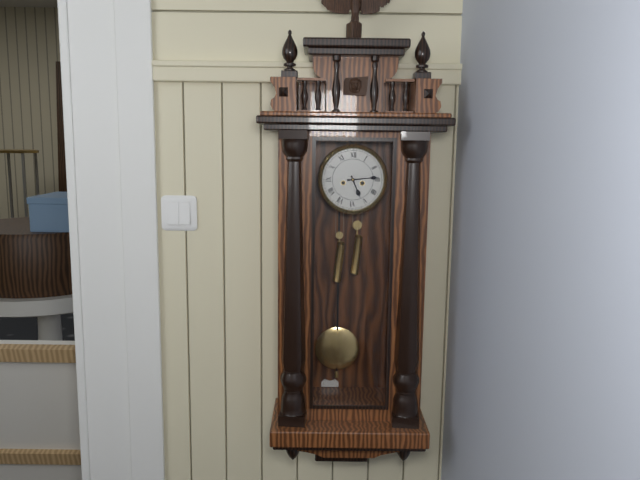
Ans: 5:14
